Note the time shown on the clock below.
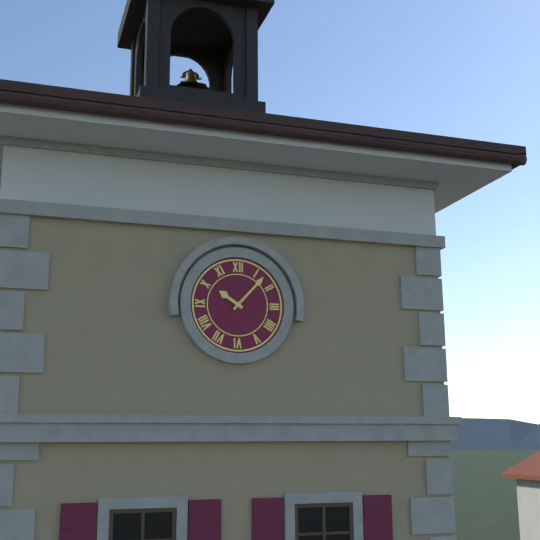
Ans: 10:07
